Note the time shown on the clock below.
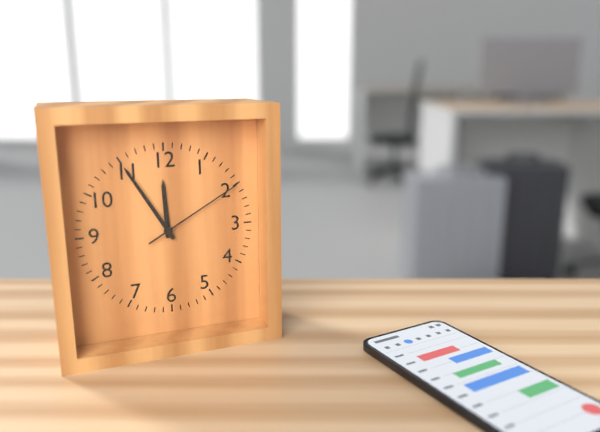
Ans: 11:55:10
